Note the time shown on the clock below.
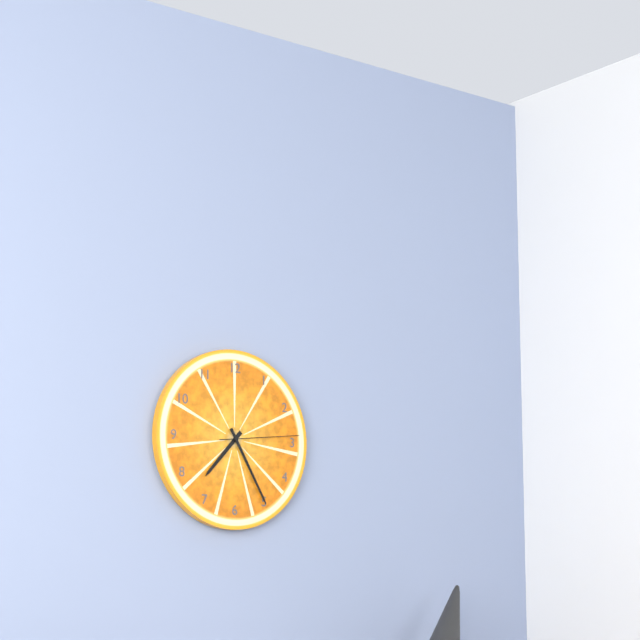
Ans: 7:25:14
